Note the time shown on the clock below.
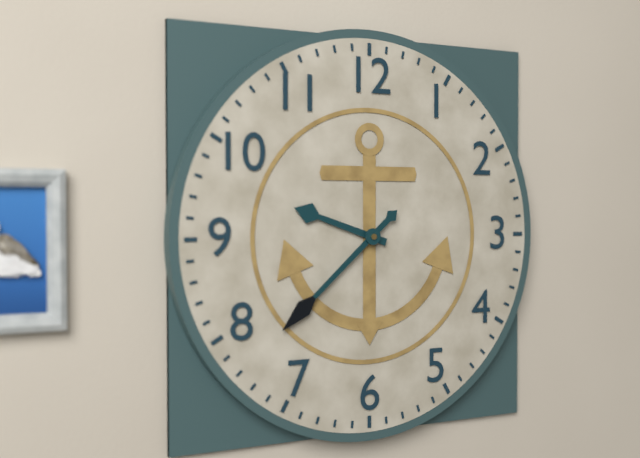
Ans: 9:38
